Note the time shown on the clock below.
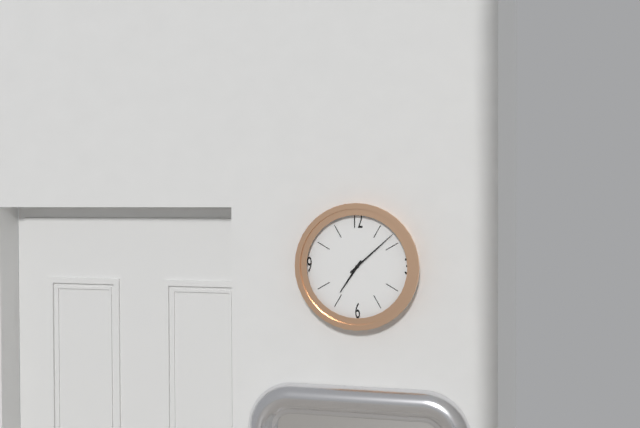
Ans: 7:08
